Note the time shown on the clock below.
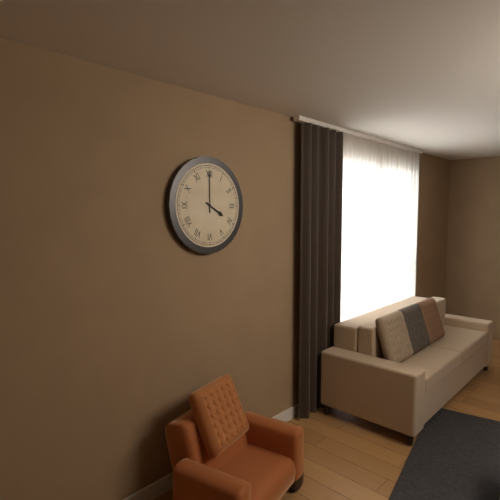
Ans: 4:00
